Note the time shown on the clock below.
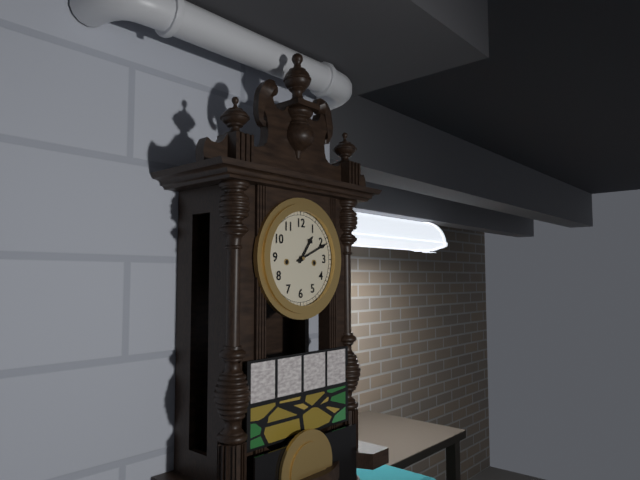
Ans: 1:11
